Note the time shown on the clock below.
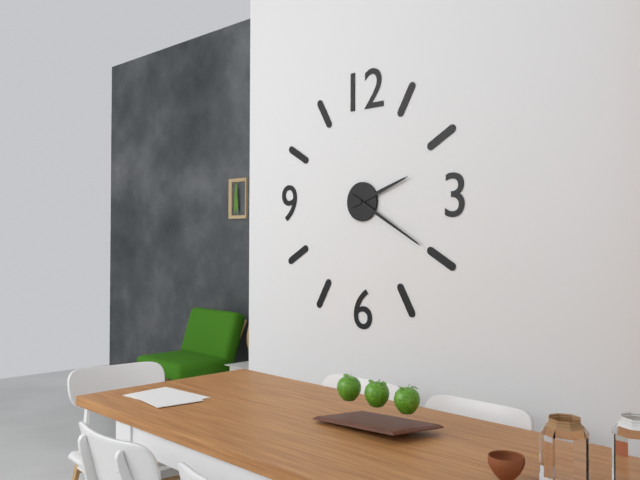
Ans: 2:20
